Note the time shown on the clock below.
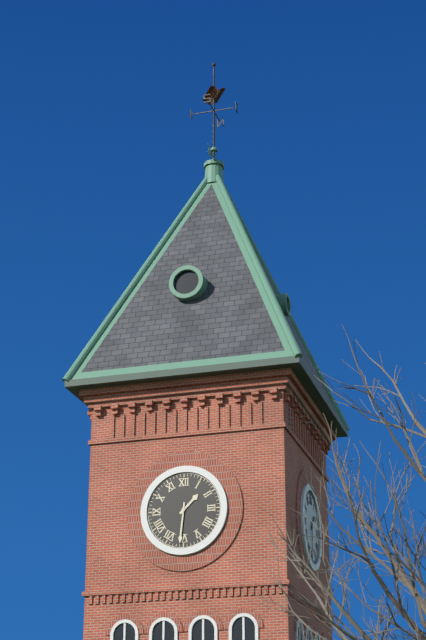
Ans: 1:31
